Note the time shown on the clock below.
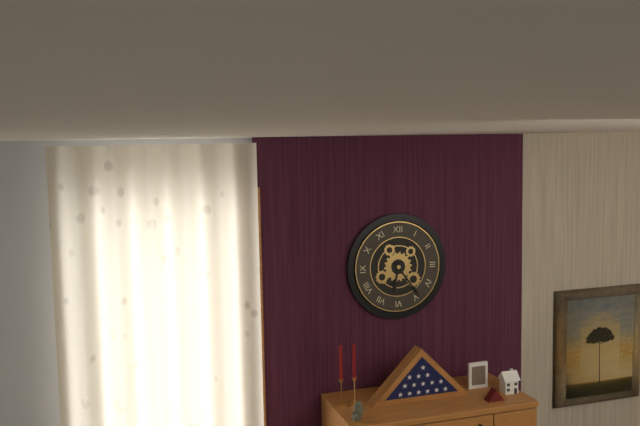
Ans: 6:24
